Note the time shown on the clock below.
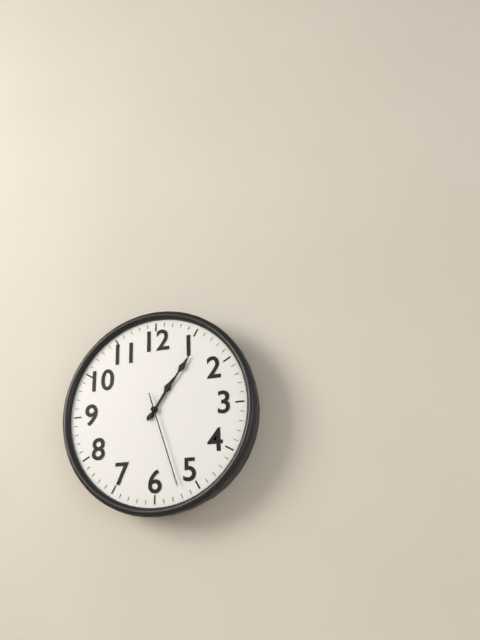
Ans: 1:06:27
